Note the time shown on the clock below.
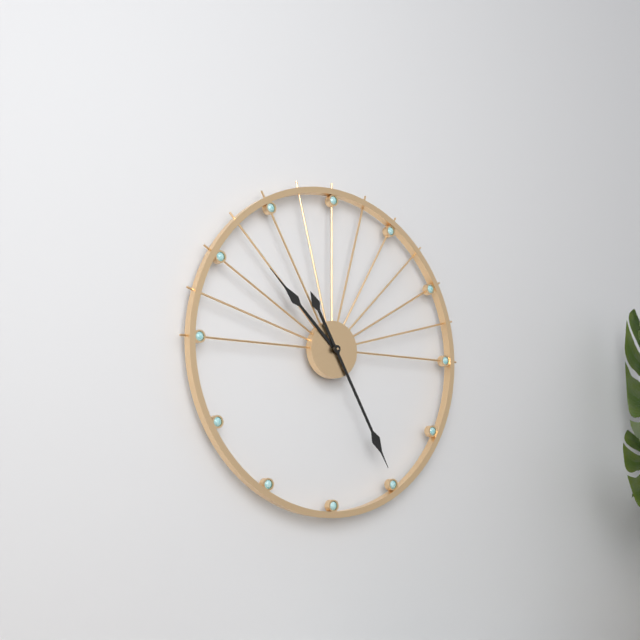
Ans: 10:25
